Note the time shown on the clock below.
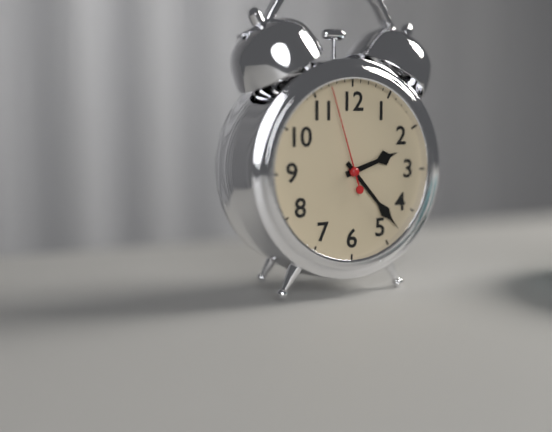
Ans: 2:23:57
